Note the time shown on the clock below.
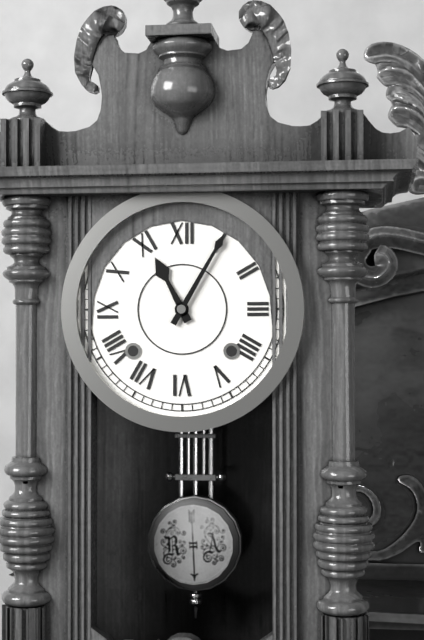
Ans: 11:05
